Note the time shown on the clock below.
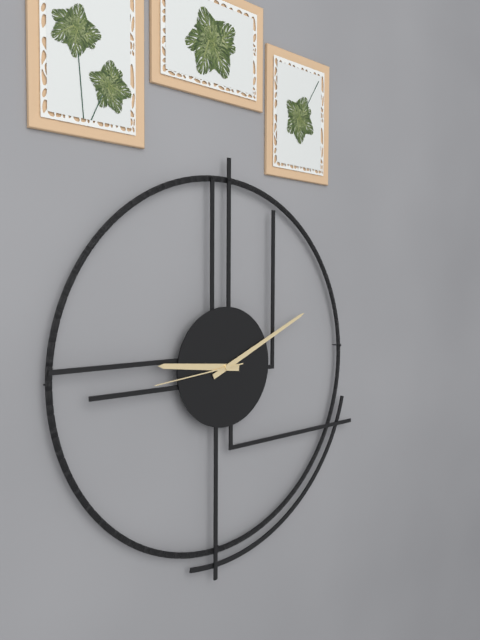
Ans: 9:11:44
